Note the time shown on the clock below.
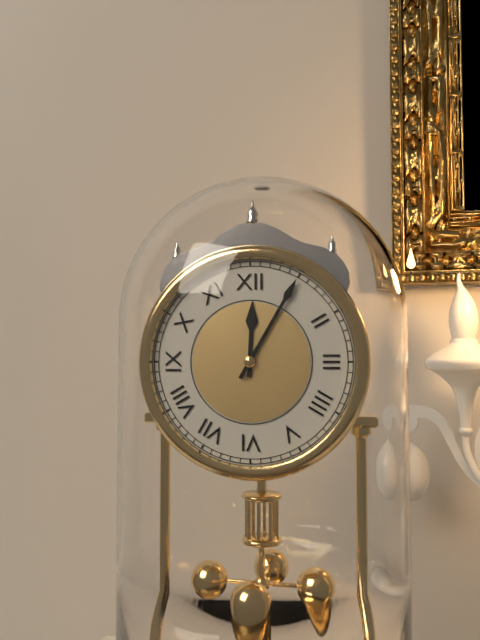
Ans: 12:05
